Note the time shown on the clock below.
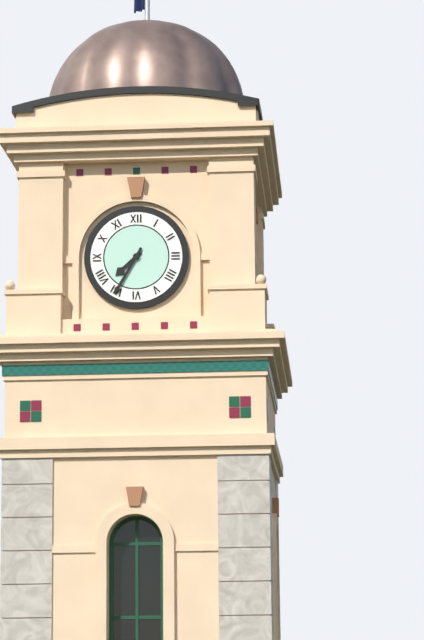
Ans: 7:35
